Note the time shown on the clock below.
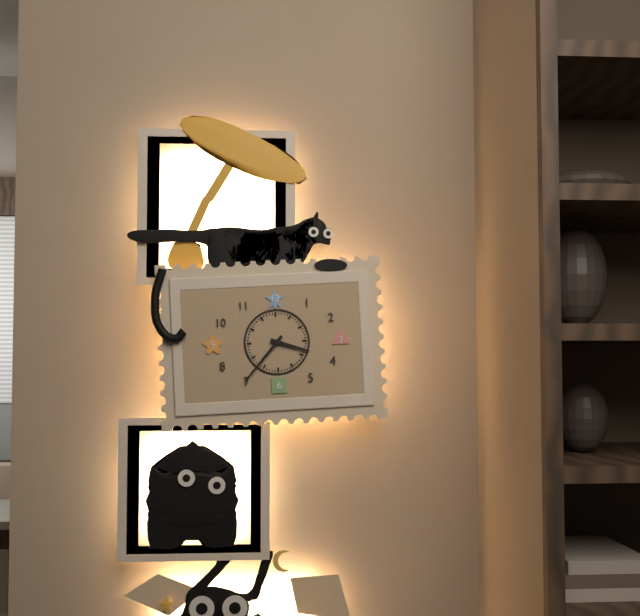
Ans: 3:37
